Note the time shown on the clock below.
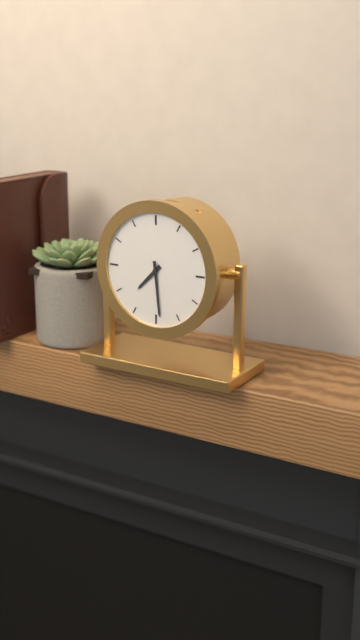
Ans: 7:29
